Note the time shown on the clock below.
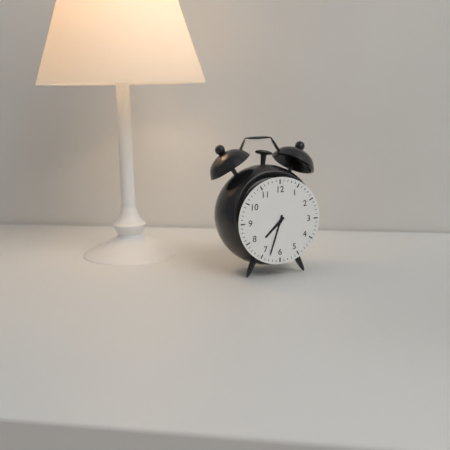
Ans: 7:33
